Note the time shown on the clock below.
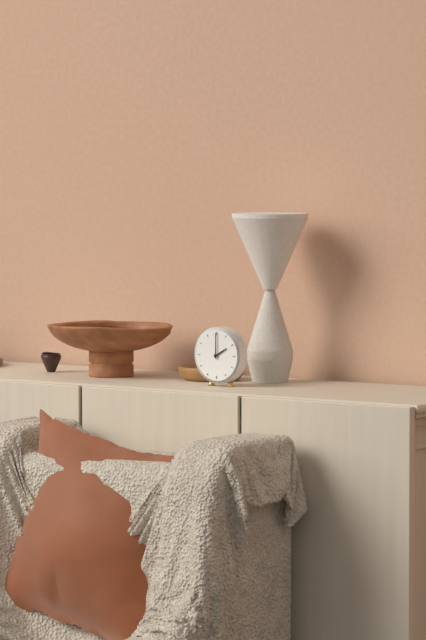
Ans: 2:00
